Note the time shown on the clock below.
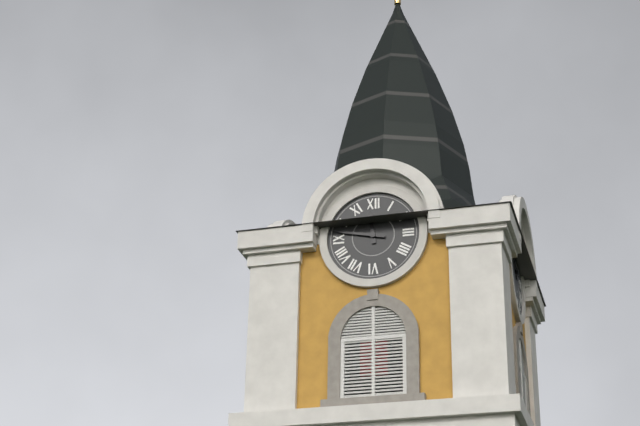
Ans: 11:47
